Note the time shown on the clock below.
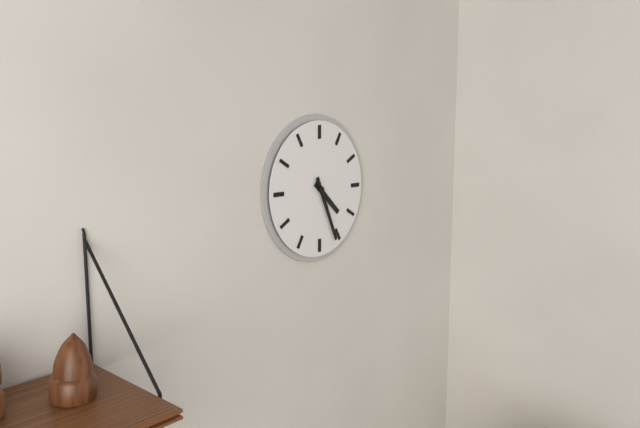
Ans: 4:26
